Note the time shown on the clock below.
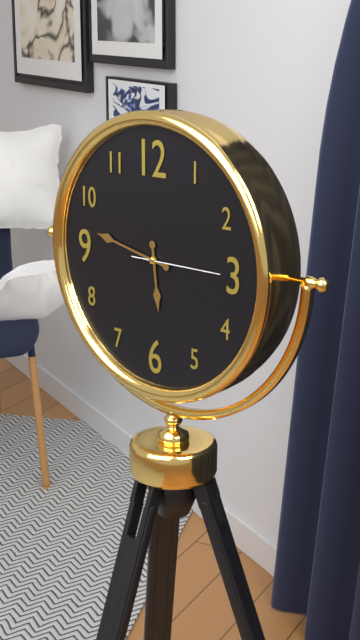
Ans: 5:47:15
